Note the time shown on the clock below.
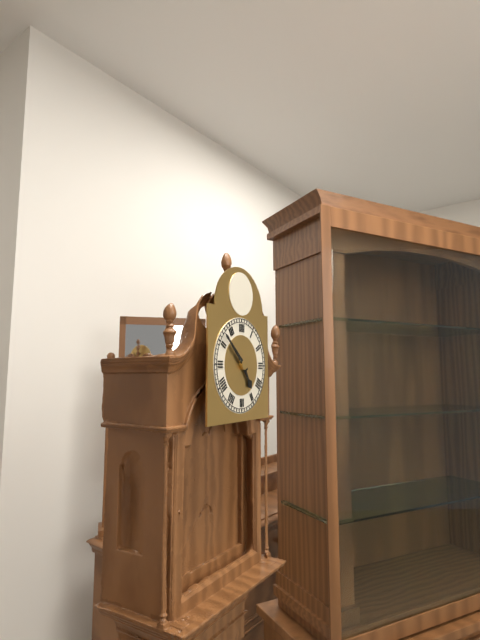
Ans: 4:52
